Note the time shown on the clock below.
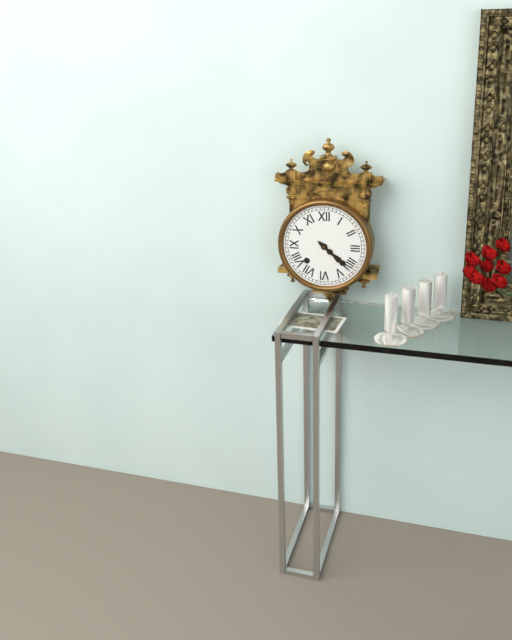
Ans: 4:22
